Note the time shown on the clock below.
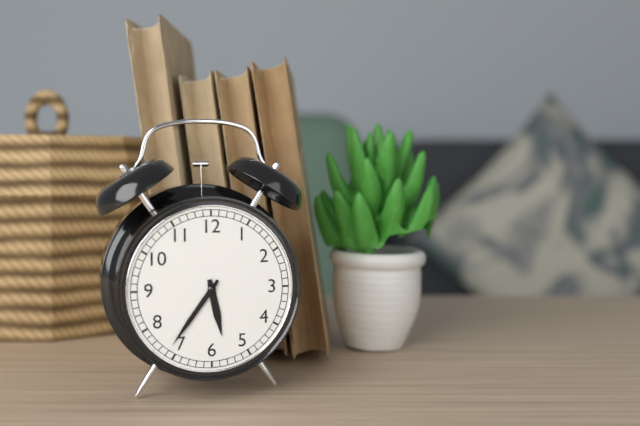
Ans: 5:36
